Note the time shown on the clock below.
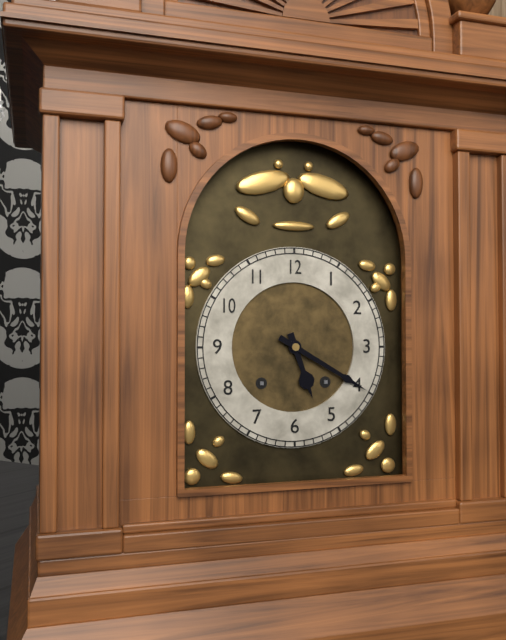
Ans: 5:20
